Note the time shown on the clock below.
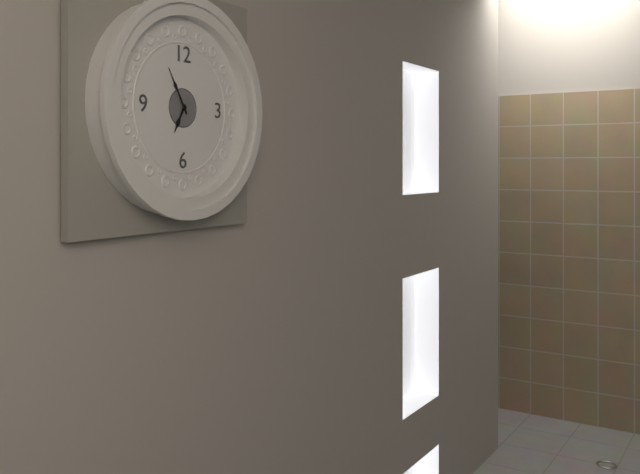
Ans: 6:55
